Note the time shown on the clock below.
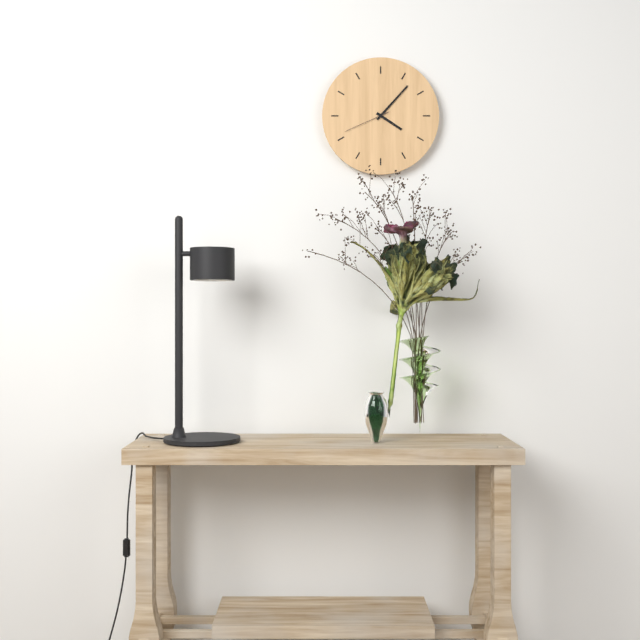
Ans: 4:07
